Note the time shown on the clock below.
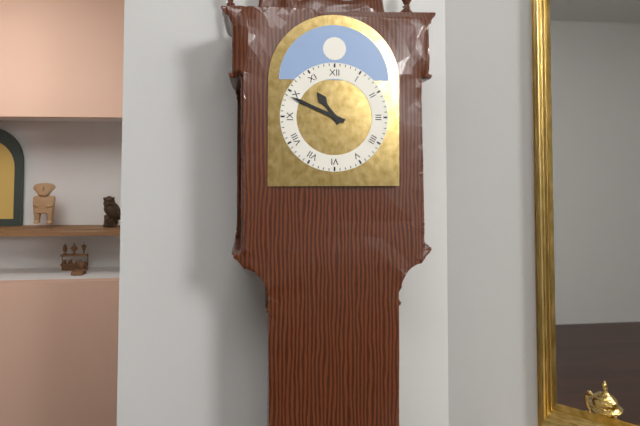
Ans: 10:49
